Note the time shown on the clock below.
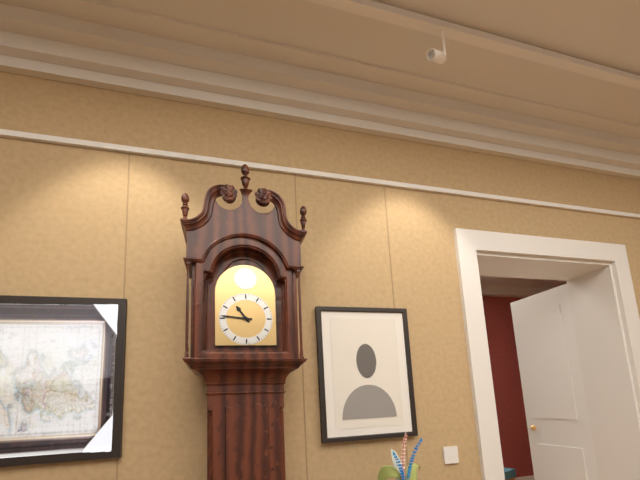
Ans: 10:46
